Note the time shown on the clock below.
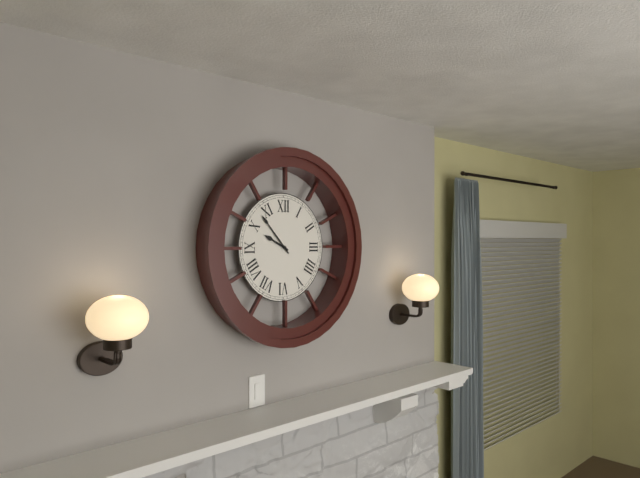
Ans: 9:53
